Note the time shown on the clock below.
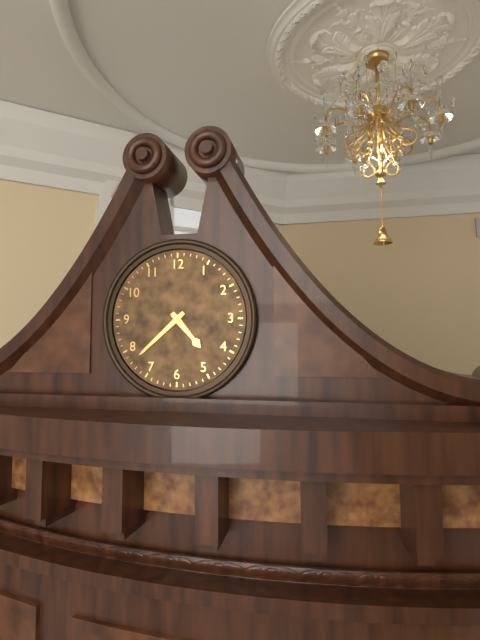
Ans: 4:38
